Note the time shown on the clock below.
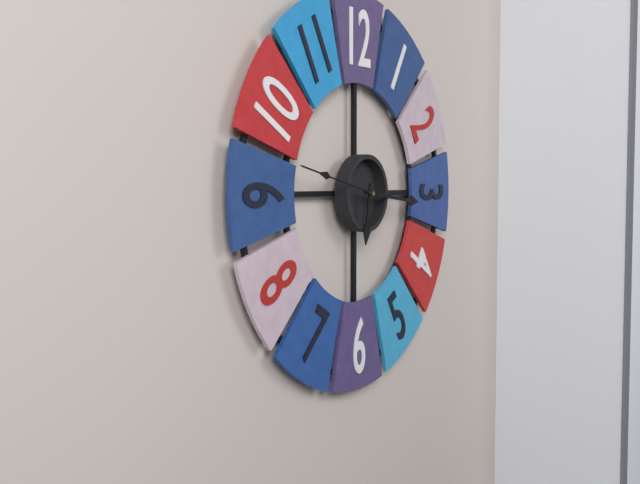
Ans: 6:16:47
